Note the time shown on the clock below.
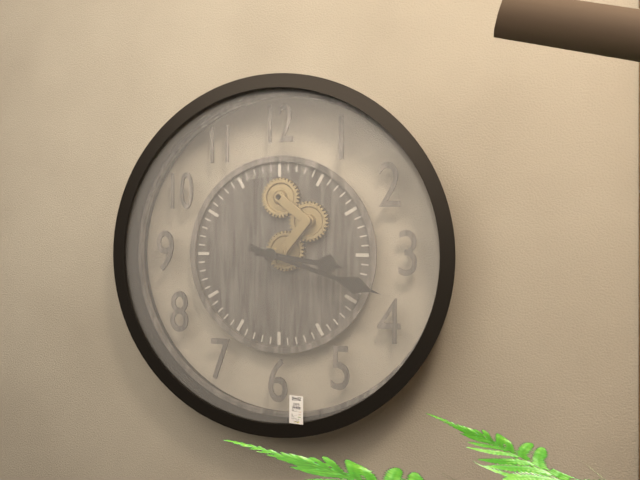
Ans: 3:18
